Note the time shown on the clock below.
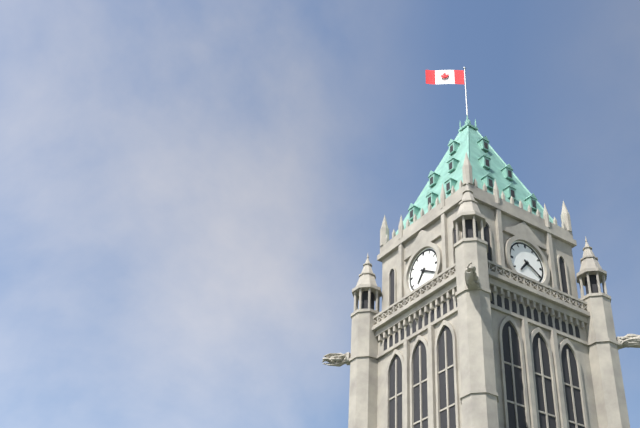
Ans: 7:20
